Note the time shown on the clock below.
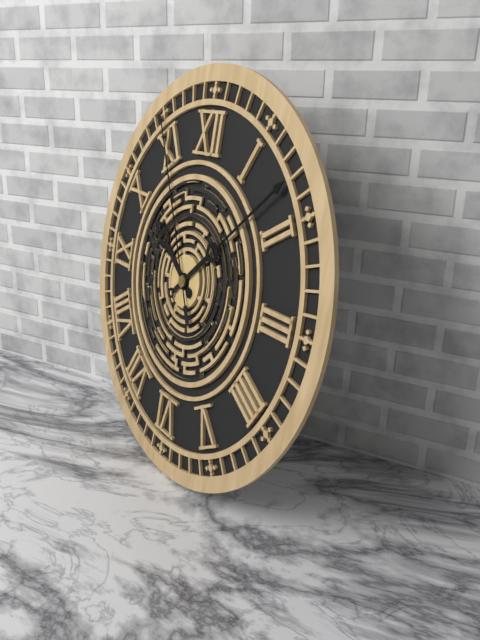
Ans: 10:08:55
